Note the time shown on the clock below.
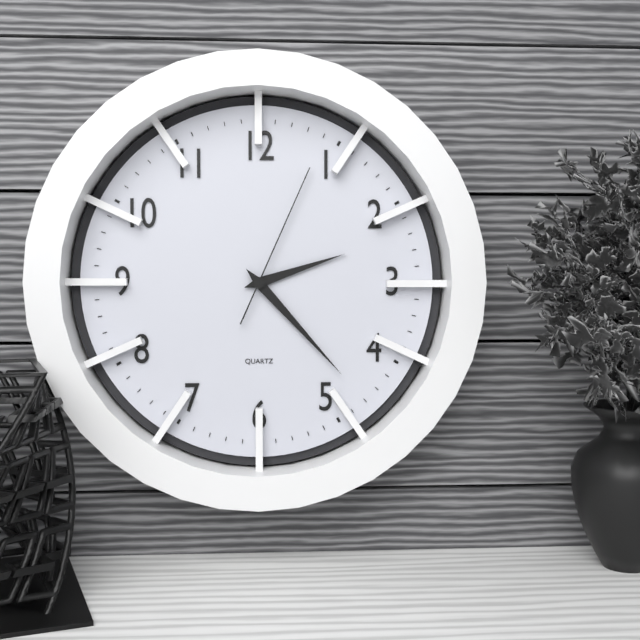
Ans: 2:23:04
